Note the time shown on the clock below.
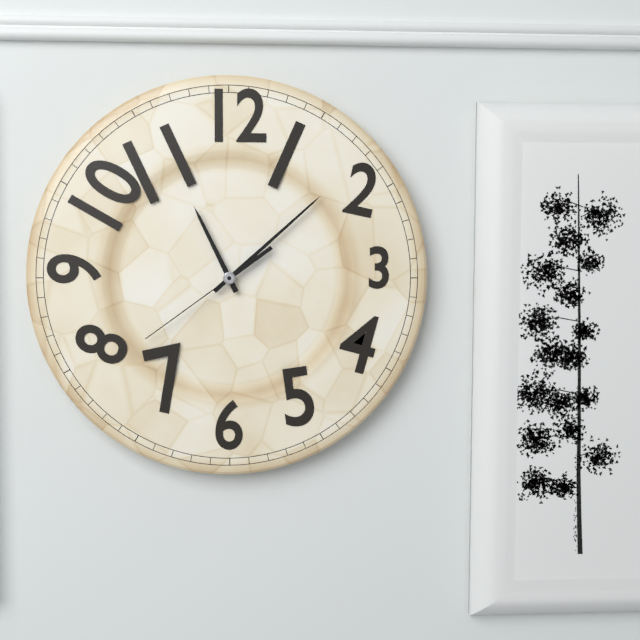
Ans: 11:08:39
